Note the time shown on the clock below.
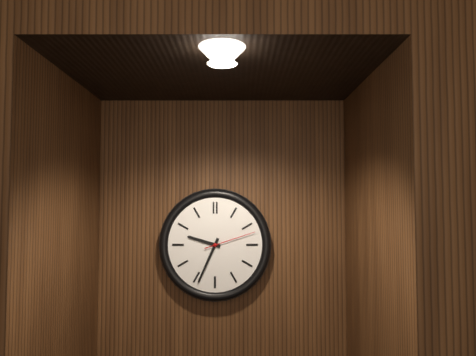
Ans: 9:34:12
